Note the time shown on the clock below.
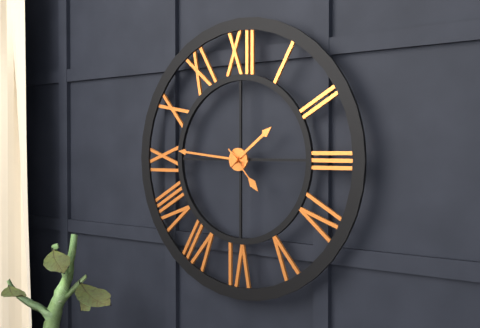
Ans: 1:46
